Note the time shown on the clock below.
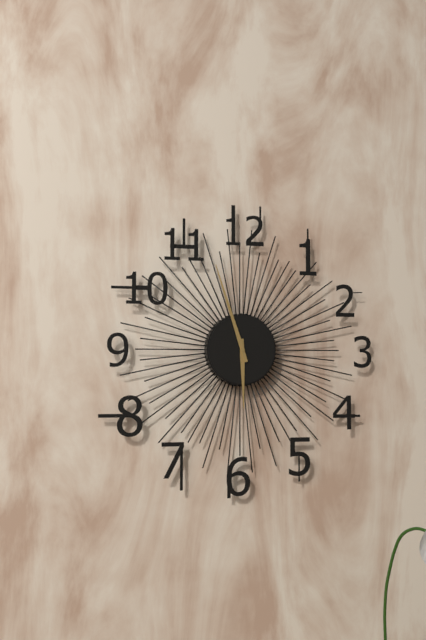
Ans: 5:57
